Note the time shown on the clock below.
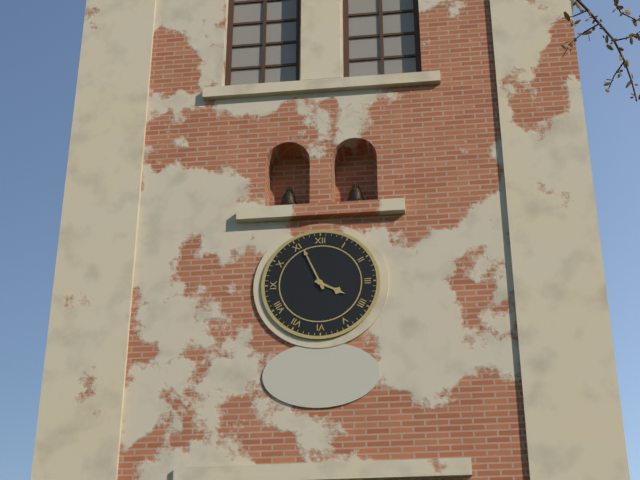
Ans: 3:56
